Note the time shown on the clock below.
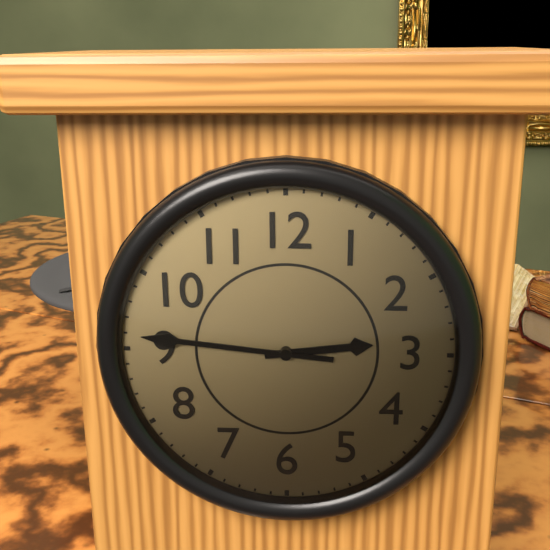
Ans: 2:46
